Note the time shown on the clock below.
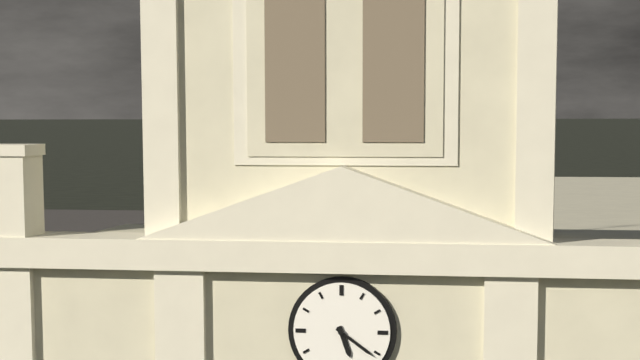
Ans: 5:21
